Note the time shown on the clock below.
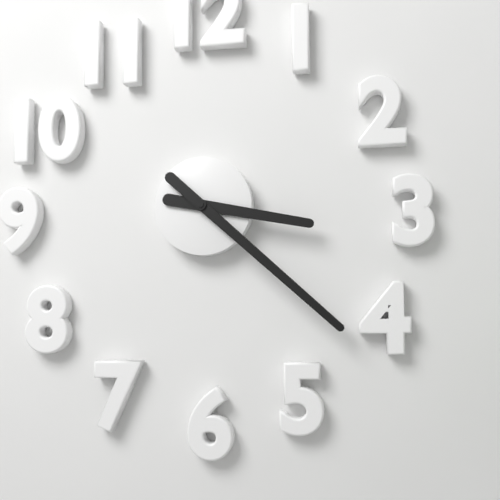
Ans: 3:22
